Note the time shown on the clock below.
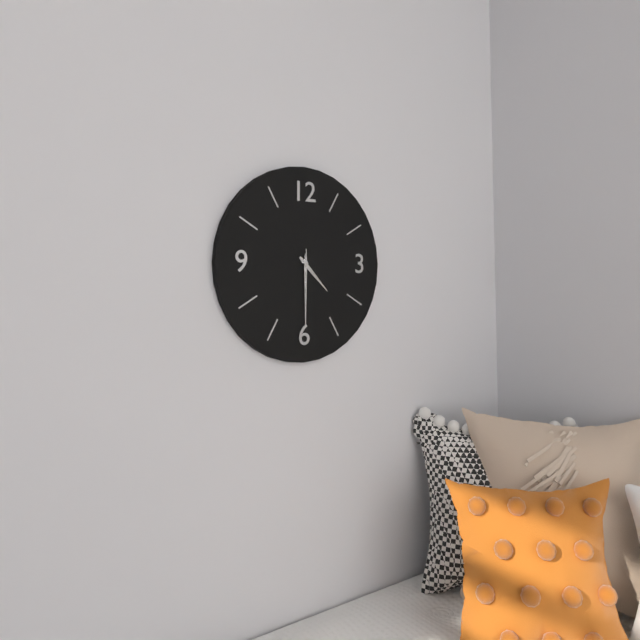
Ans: 4:30:30
